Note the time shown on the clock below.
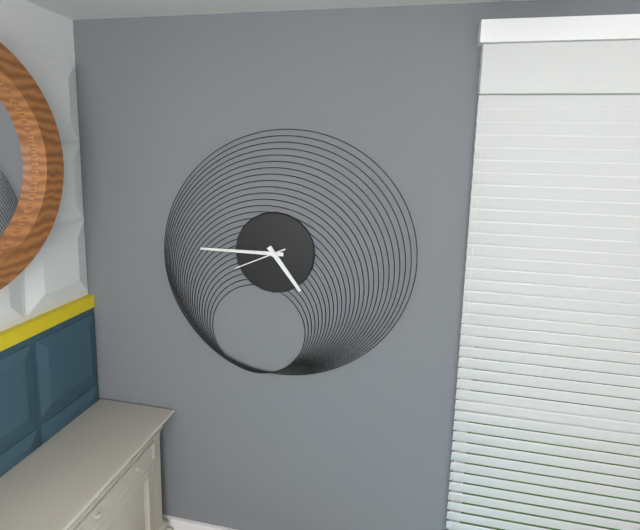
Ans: 4:45:41
